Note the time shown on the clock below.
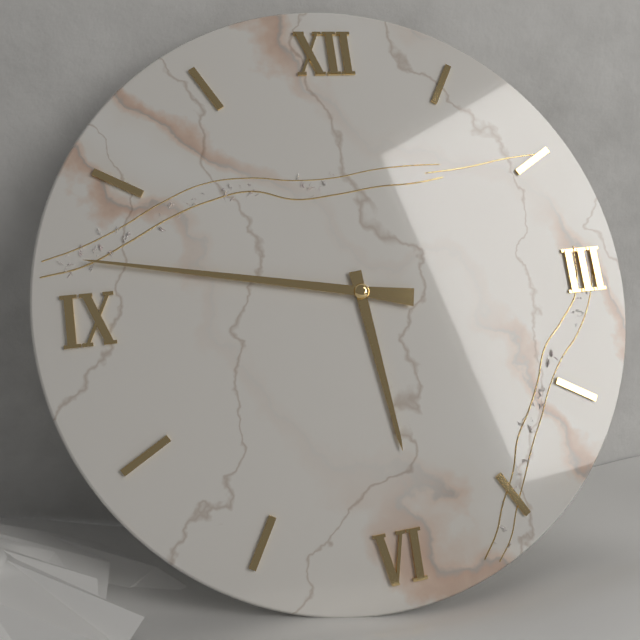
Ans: 5:47
